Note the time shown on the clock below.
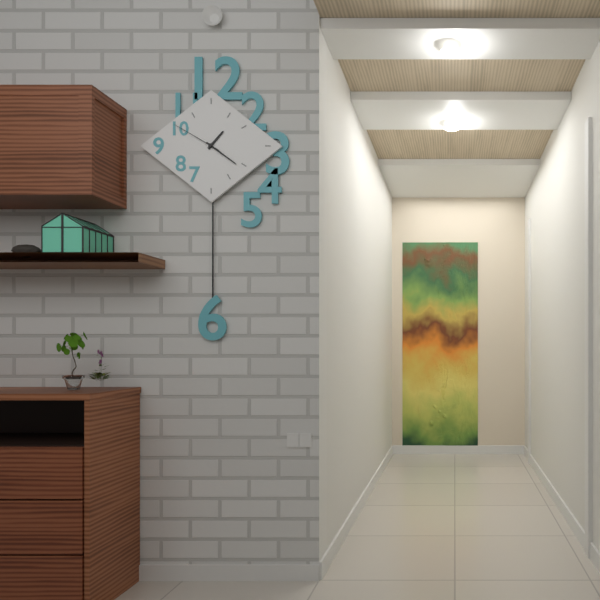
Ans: 1:21:50
